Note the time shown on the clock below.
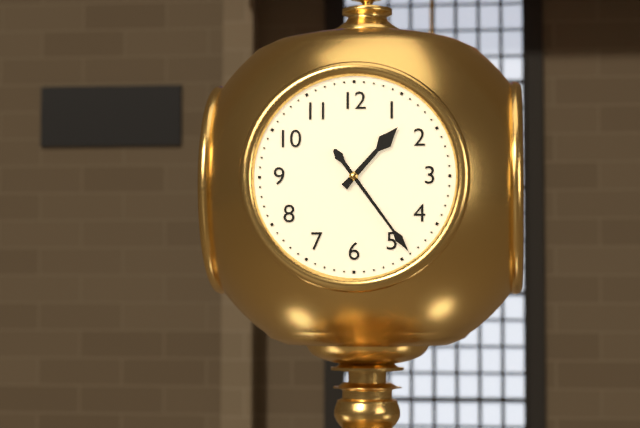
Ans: 1:24
